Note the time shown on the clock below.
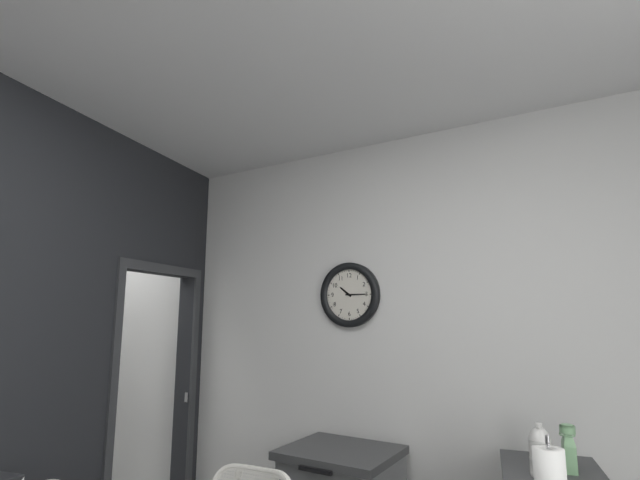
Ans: 10:15
